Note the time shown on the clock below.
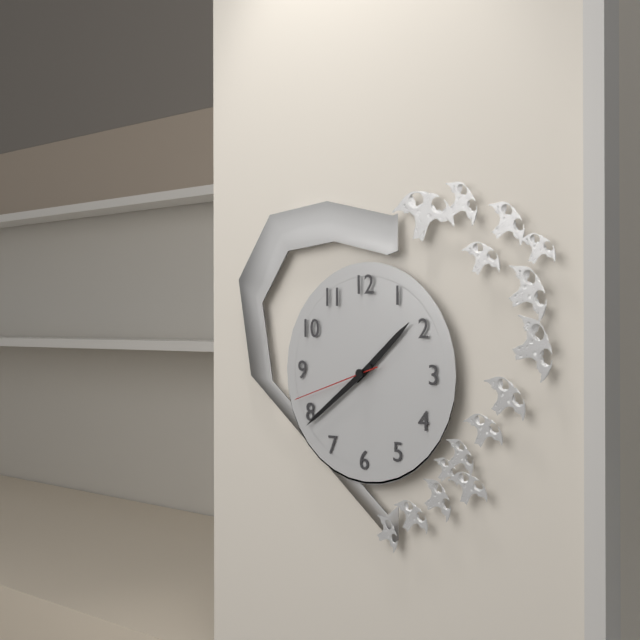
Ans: 1:39:42
